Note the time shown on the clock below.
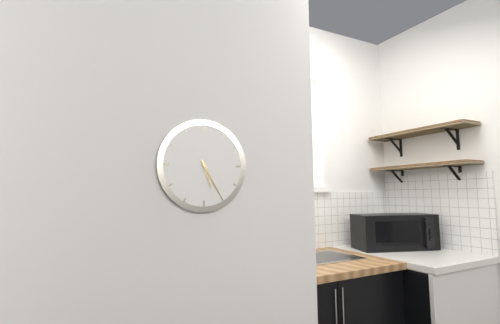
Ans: 5:25
